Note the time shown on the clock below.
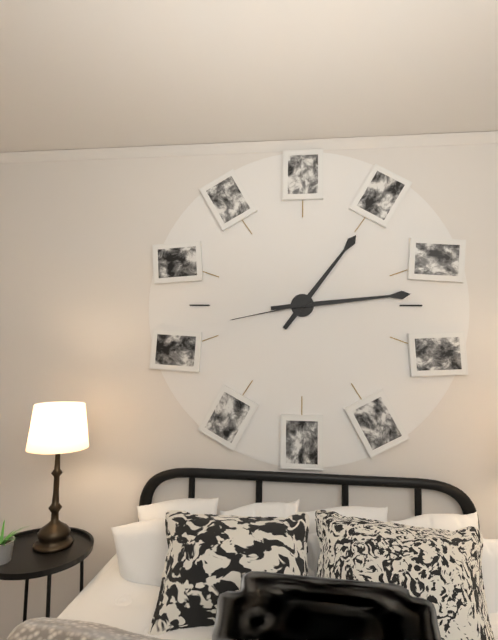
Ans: 1:14:43
